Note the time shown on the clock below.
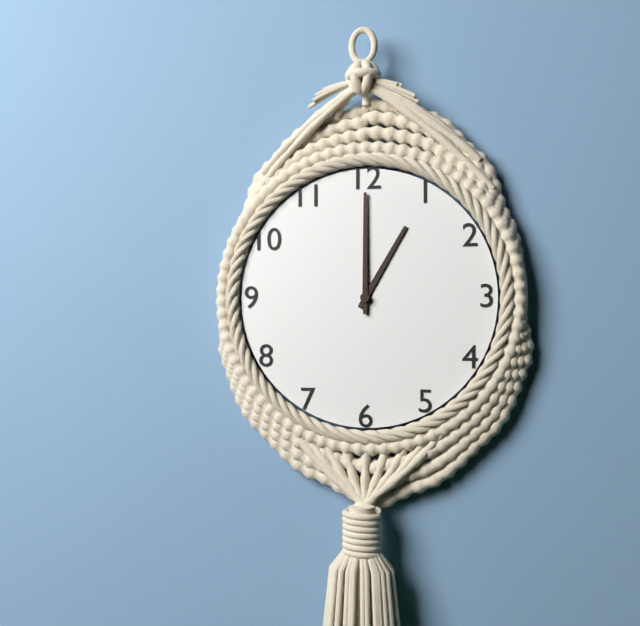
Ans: 1:00
